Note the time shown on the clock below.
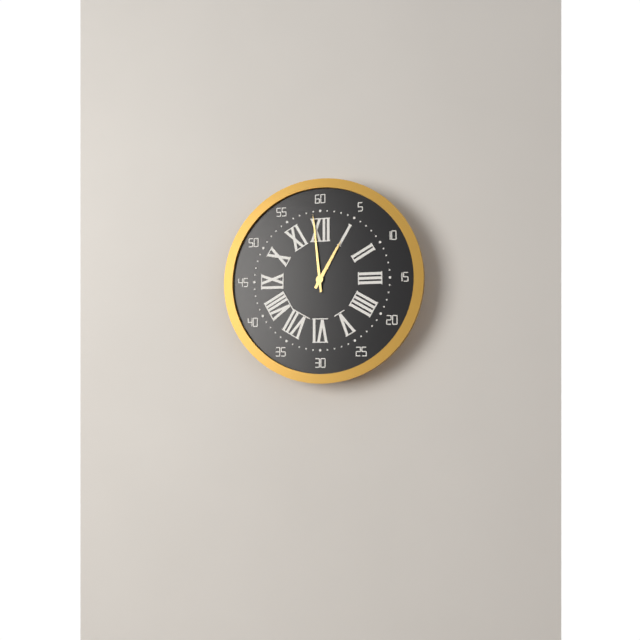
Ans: 12:59
